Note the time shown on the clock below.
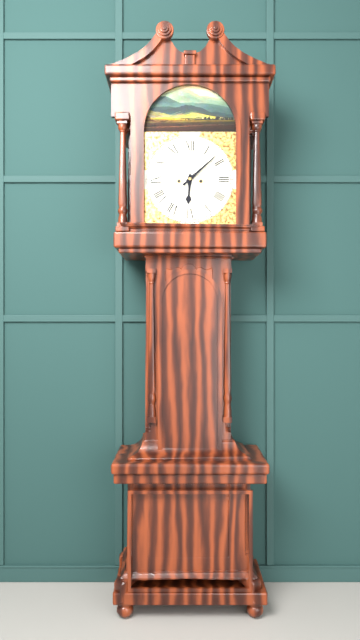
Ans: 6:08
